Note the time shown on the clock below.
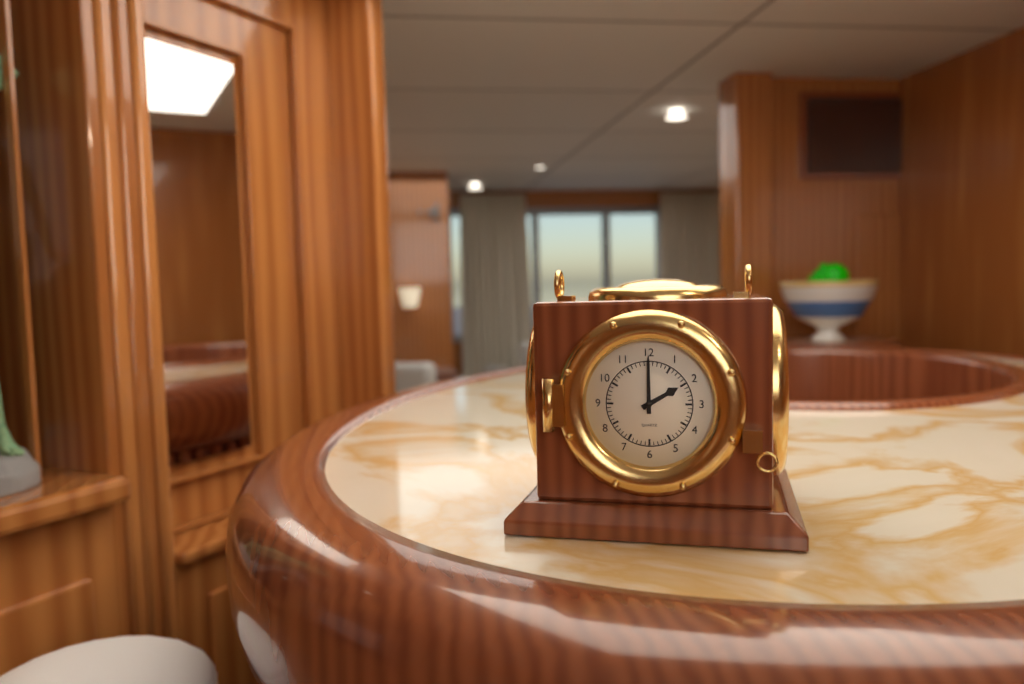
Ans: 2:00
